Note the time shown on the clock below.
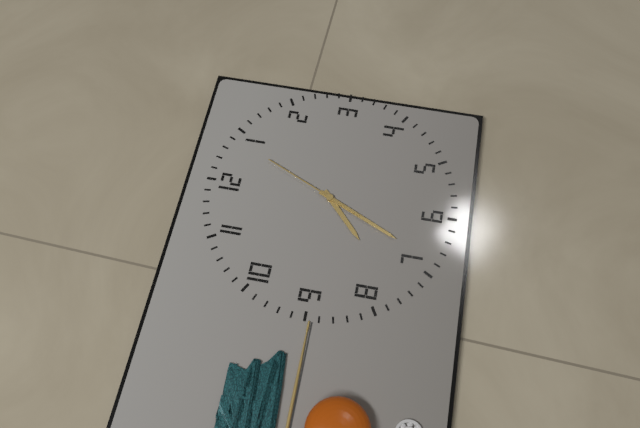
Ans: 7:34:04
